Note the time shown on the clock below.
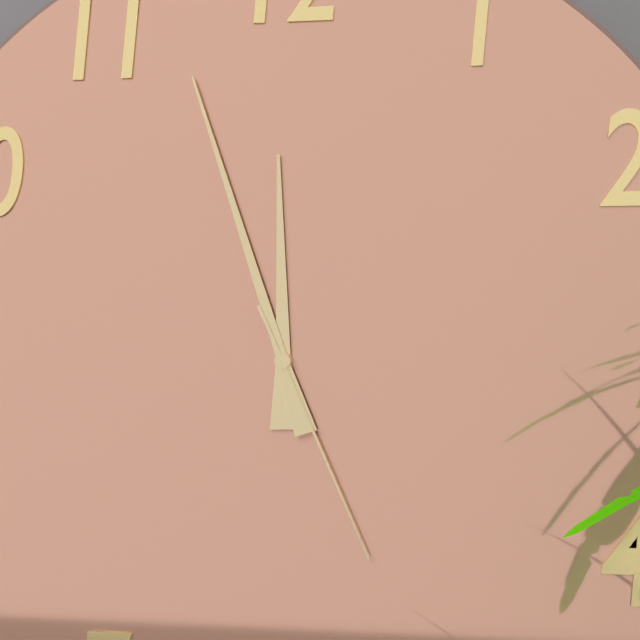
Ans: 11:57:26
